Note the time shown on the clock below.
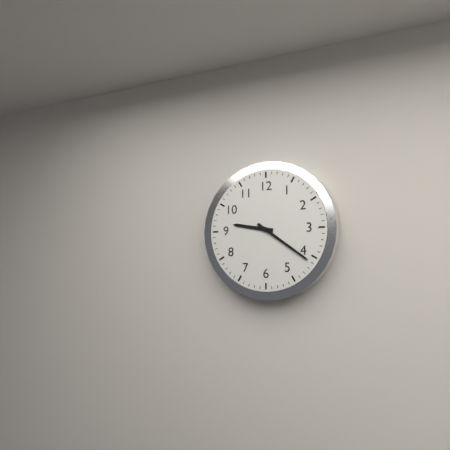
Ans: 9:21
